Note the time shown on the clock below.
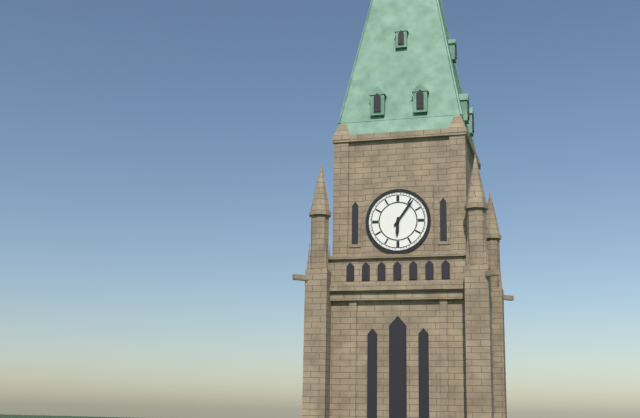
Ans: 6:06
